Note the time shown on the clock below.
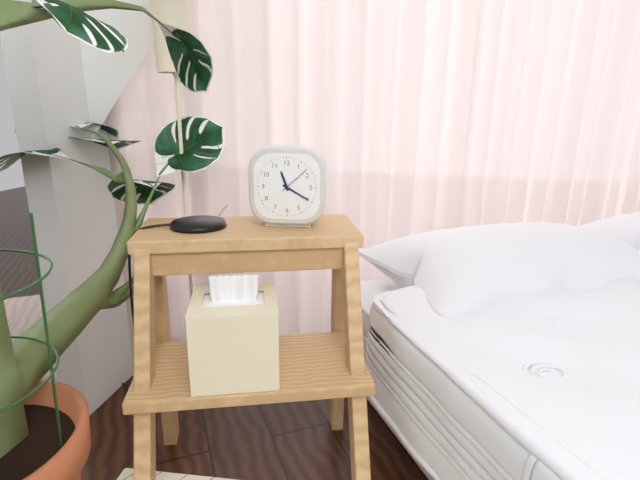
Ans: 11:20
